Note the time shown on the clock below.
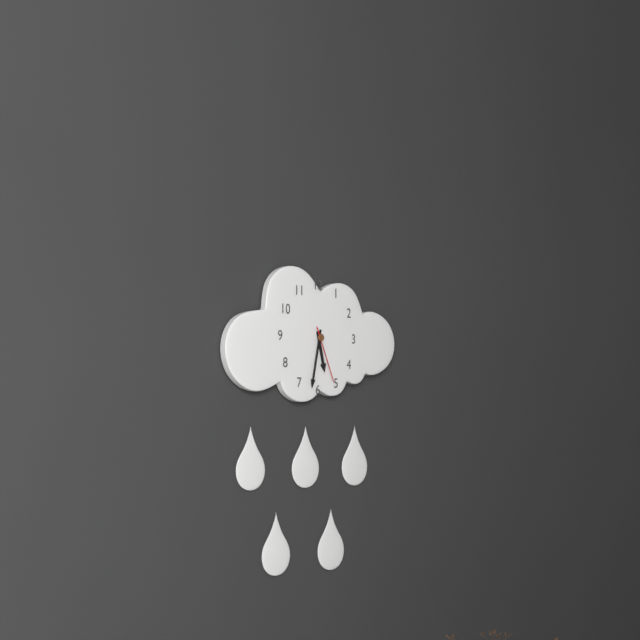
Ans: 5:32:26
